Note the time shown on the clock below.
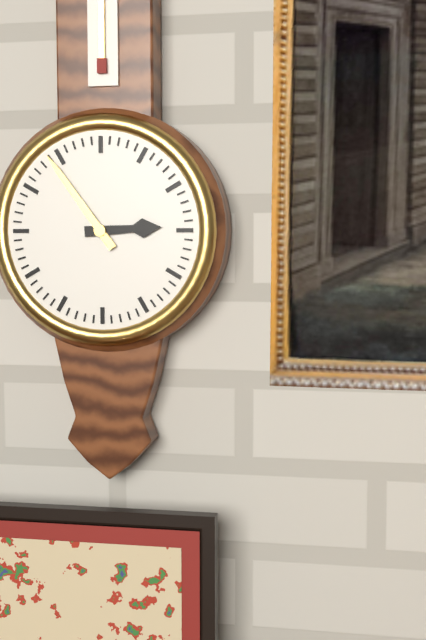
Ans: 2:54
